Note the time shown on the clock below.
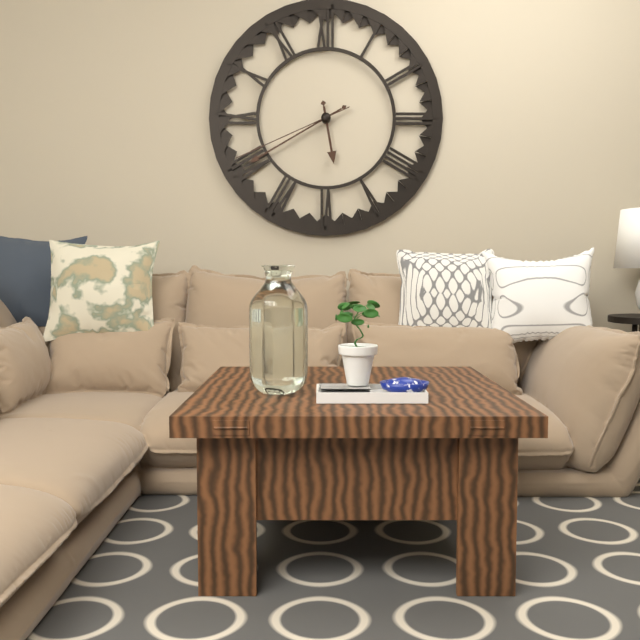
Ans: 5:40:41
